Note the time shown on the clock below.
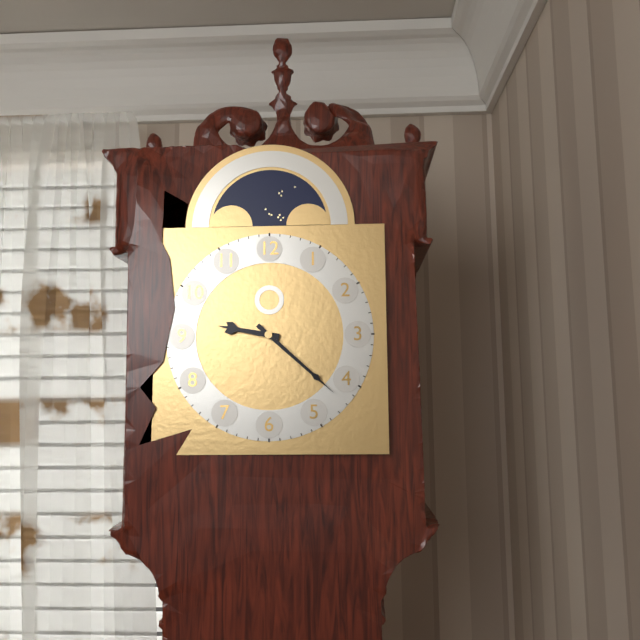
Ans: 9:22
